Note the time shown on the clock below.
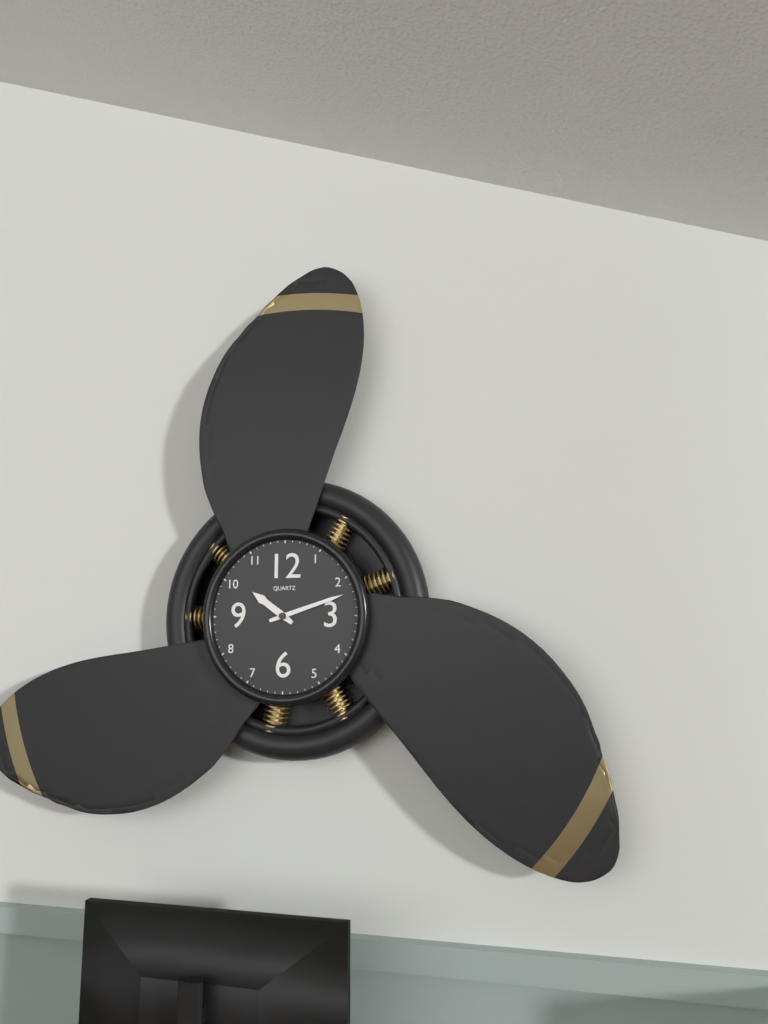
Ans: 10:12
